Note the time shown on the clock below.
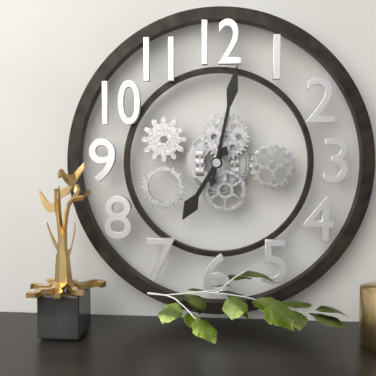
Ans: 7:02
